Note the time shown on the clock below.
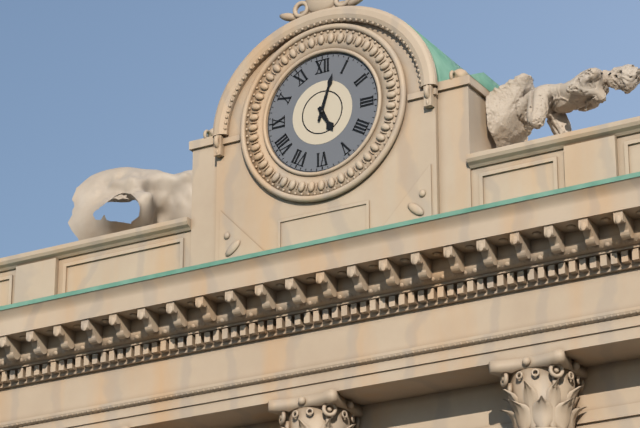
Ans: 5:03
